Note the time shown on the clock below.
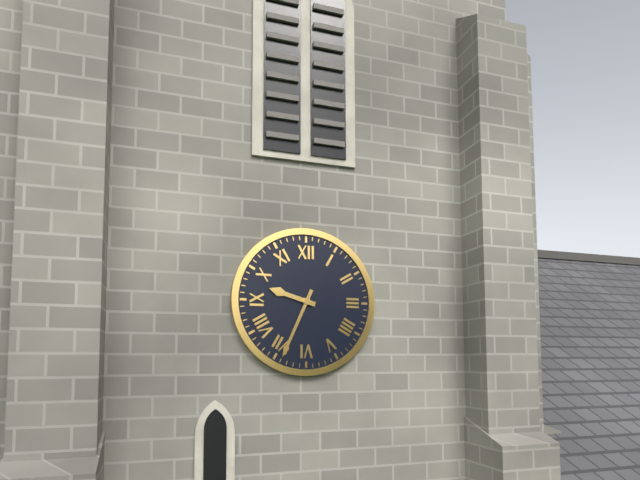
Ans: 9:34
